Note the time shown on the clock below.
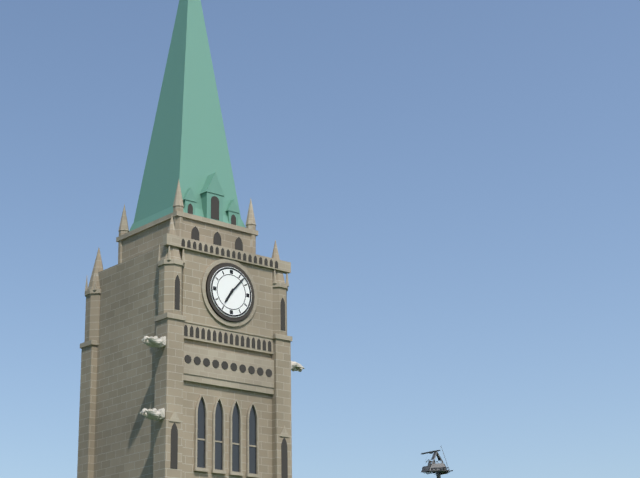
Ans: 7:07
